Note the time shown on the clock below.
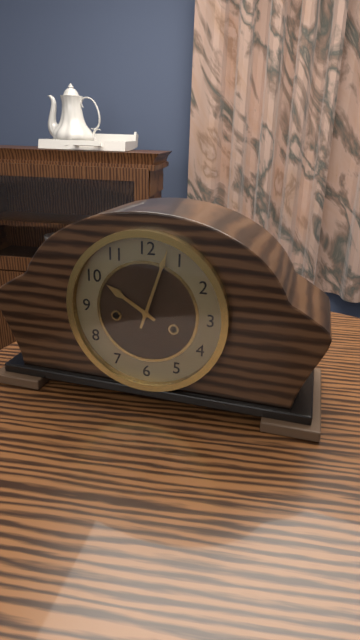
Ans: 10:03
